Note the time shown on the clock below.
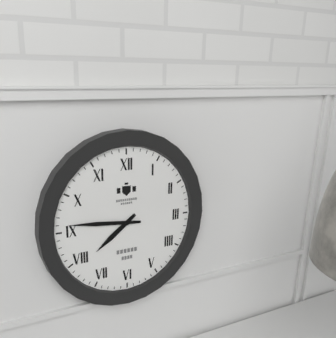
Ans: 7:46
